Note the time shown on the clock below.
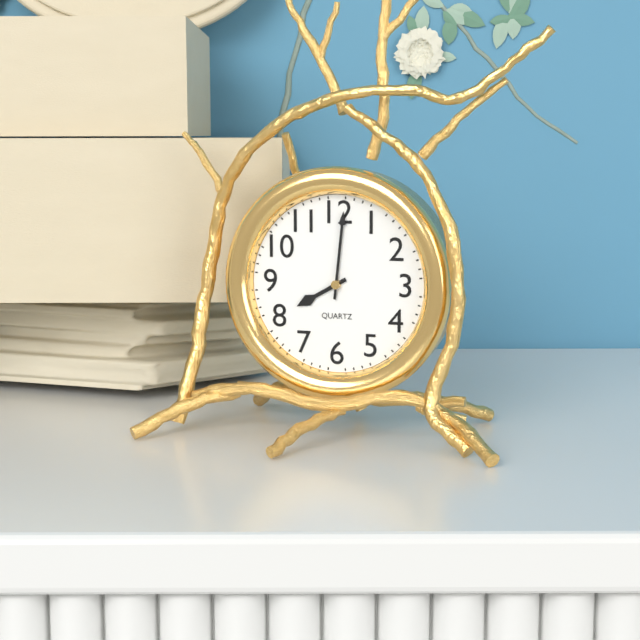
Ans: 8:01
